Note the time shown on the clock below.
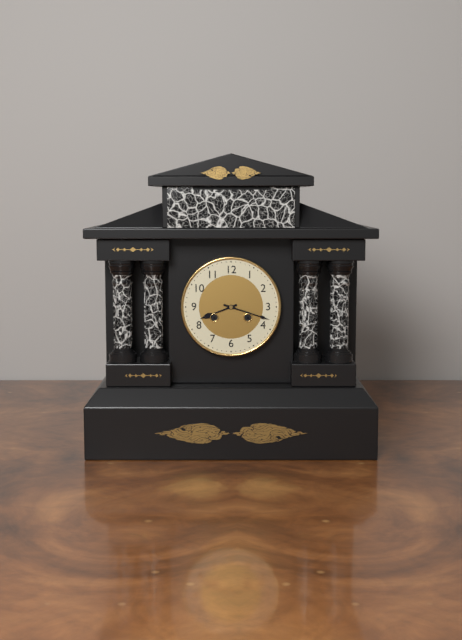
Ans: 8:18
